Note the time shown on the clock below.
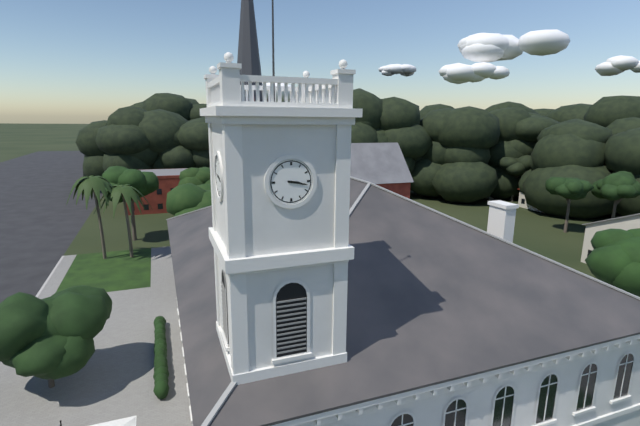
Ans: 3:17
